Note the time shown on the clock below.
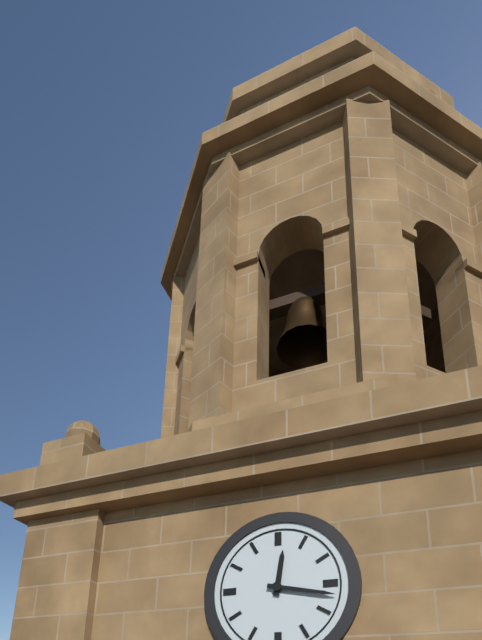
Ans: 12:17
